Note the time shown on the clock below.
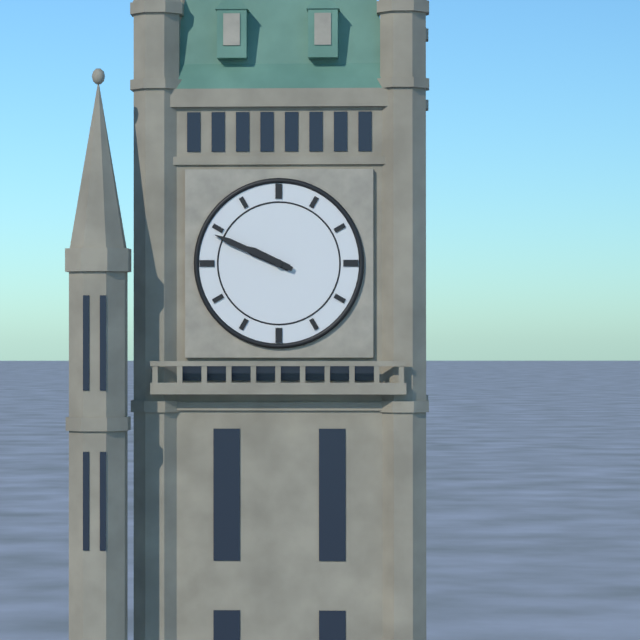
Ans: 9:49
